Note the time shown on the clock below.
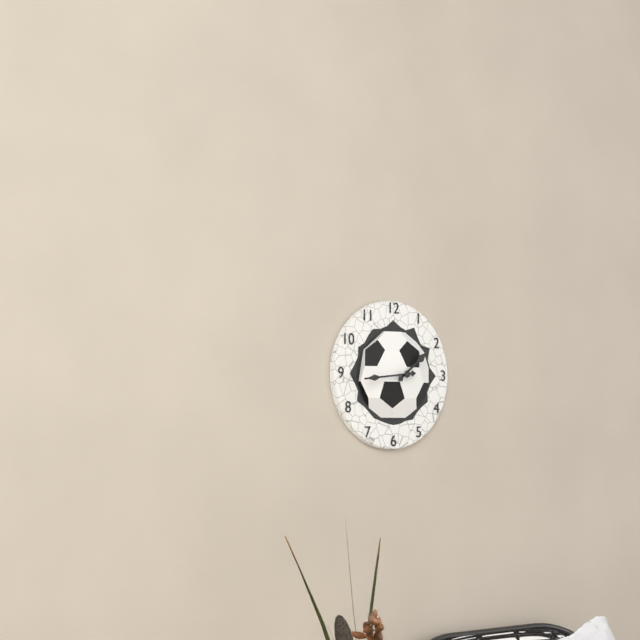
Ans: 1:44
